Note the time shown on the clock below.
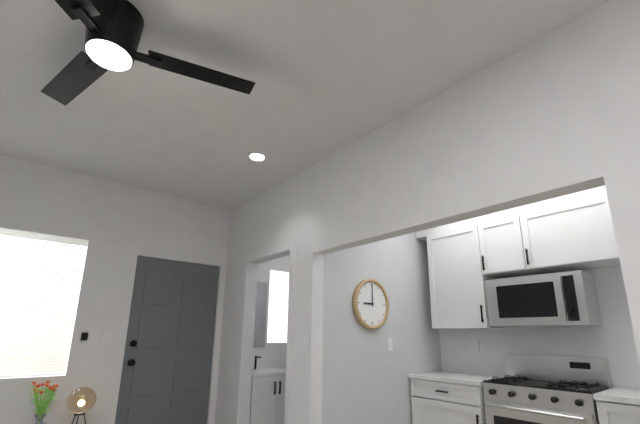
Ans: 9:00
